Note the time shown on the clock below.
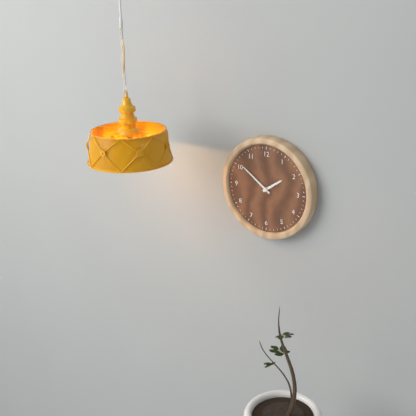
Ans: 1:51
